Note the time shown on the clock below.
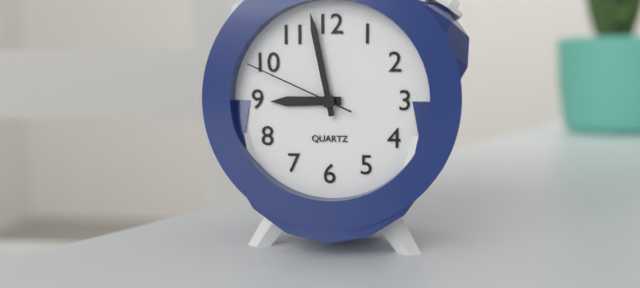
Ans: 8:58:49
